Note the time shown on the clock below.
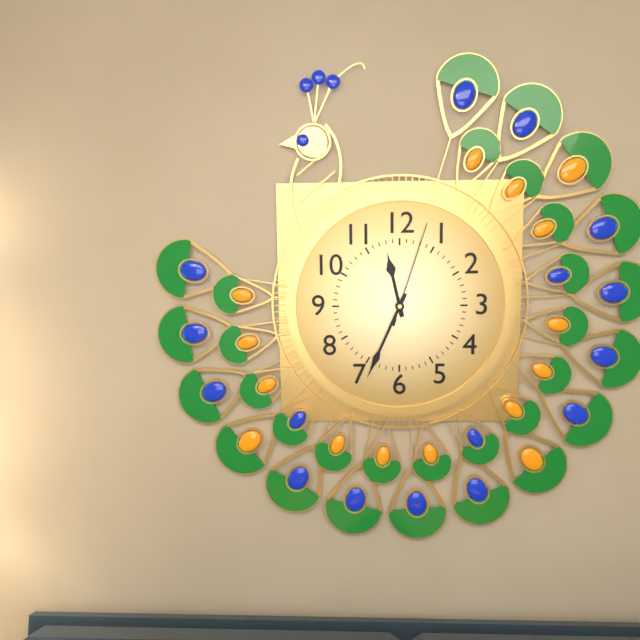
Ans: 11:34:03
